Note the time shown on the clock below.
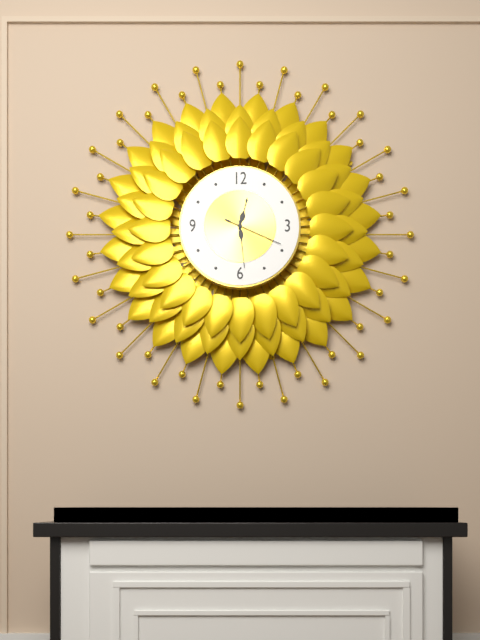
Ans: 12:29:19
